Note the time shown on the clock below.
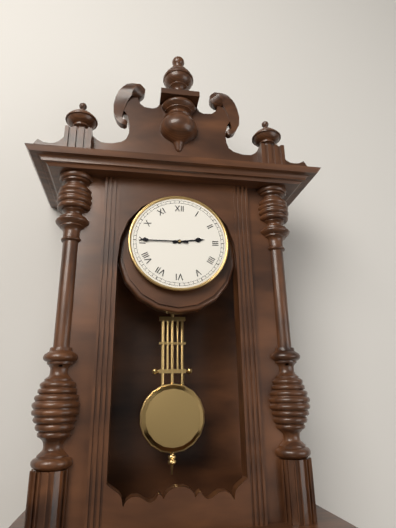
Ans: 2:45
